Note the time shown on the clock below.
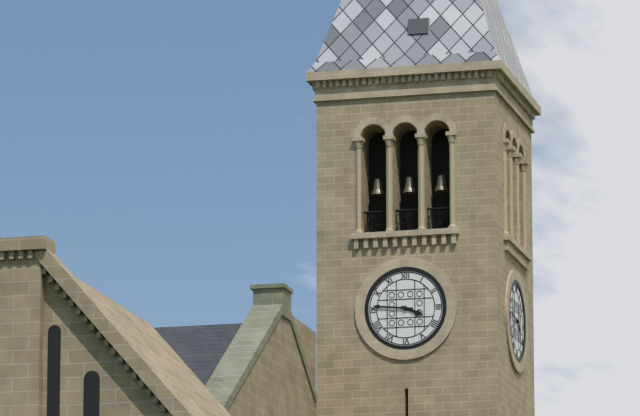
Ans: 3:46
